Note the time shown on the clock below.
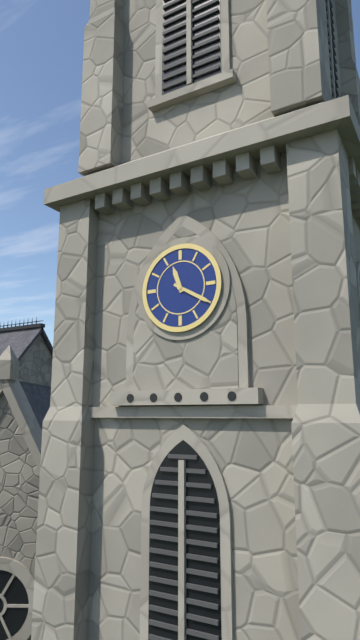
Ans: 11:20
